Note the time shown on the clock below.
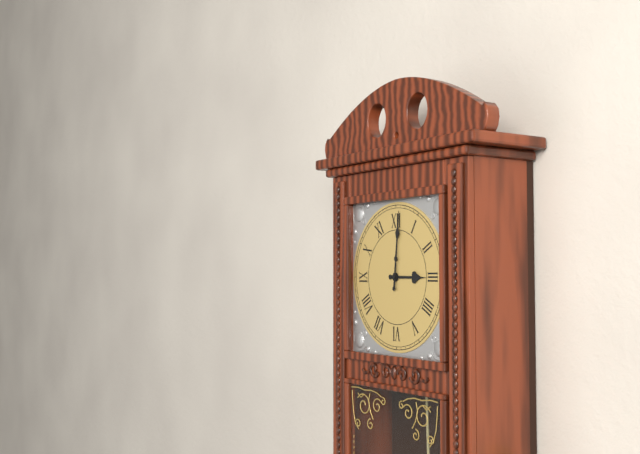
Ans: 3:01
